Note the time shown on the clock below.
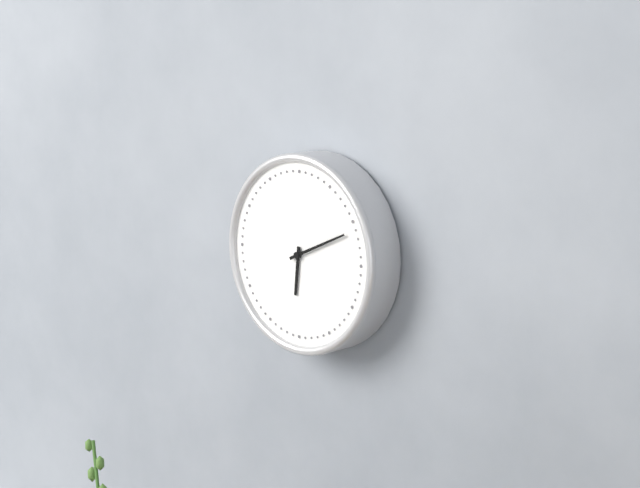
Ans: 6:11
